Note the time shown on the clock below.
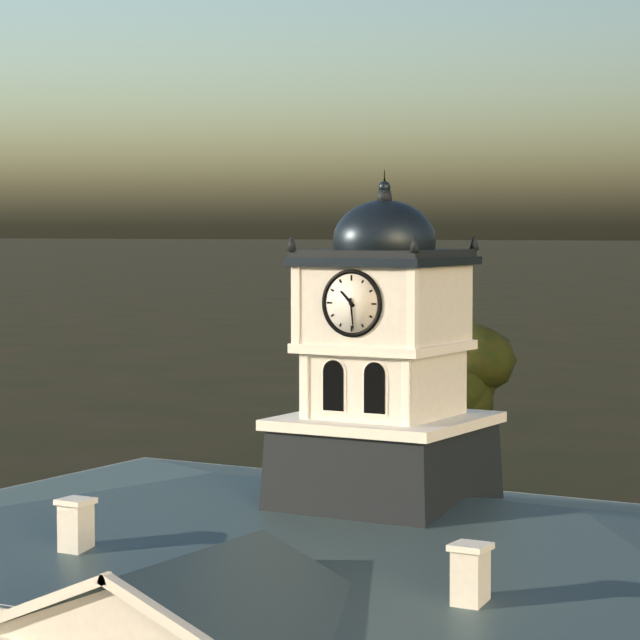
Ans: 10:29
